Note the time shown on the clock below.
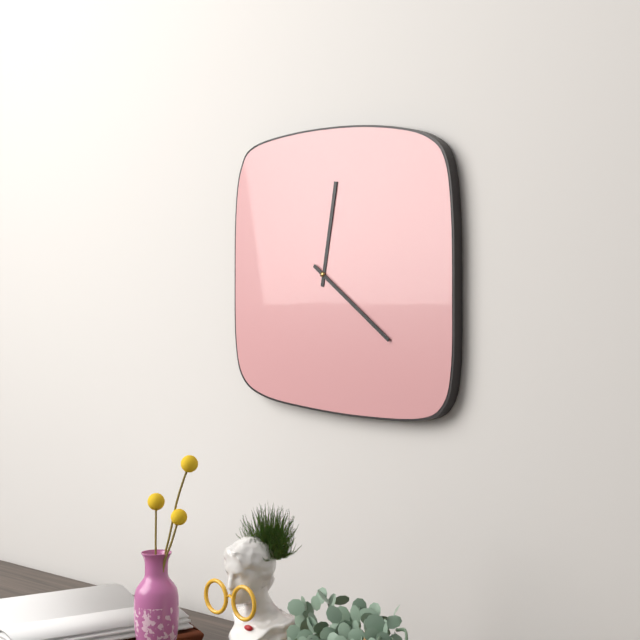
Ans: 12:21
